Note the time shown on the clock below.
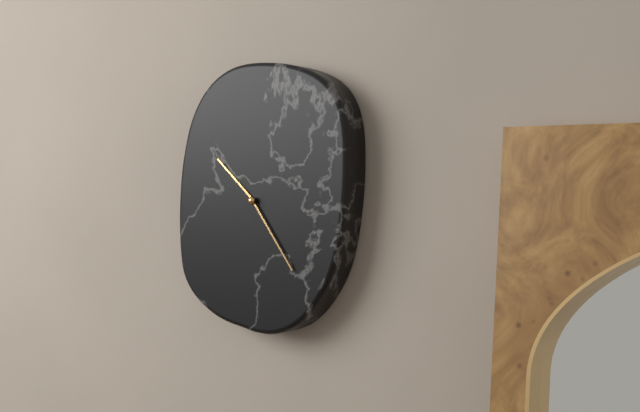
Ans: 10:24
